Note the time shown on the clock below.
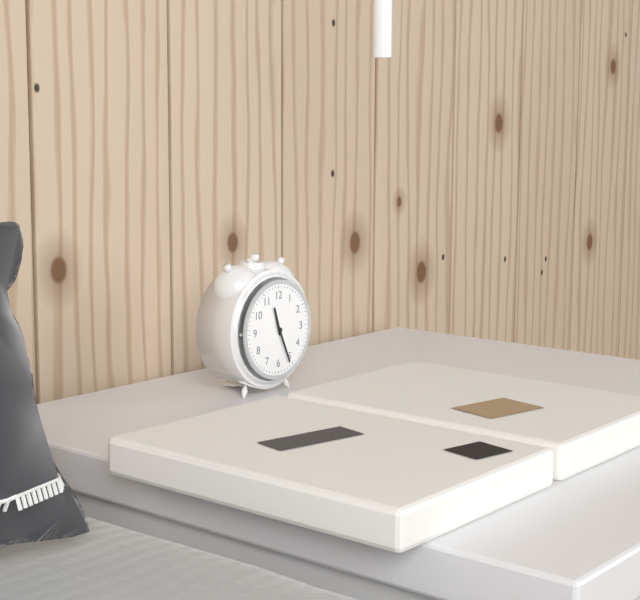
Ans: 11:26
